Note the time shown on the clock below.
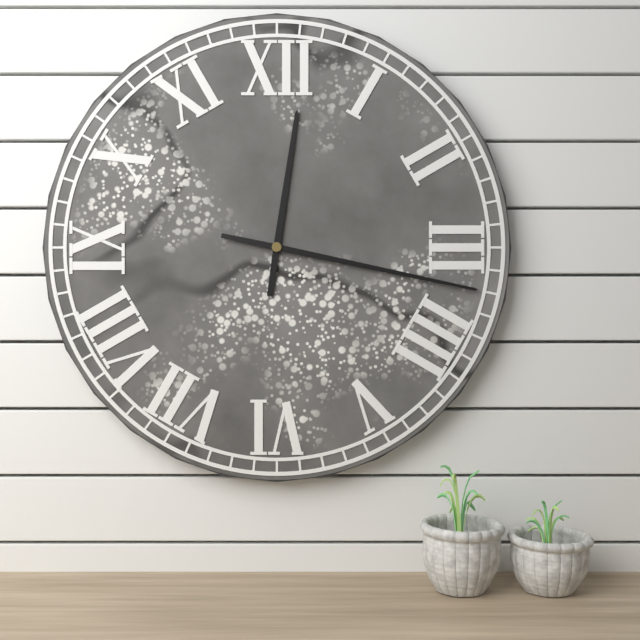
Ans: 12:17
